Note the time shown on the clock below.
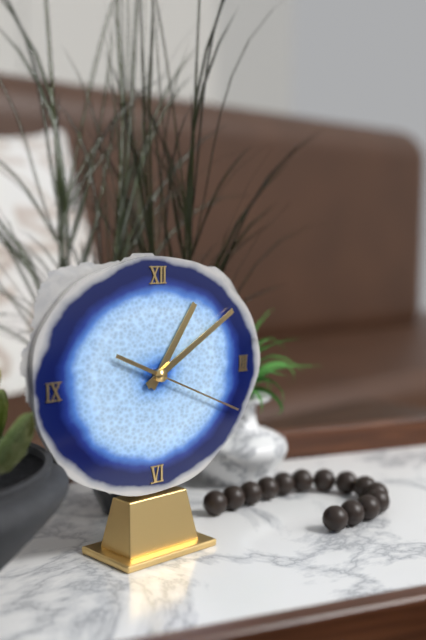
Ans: 1:10:19
